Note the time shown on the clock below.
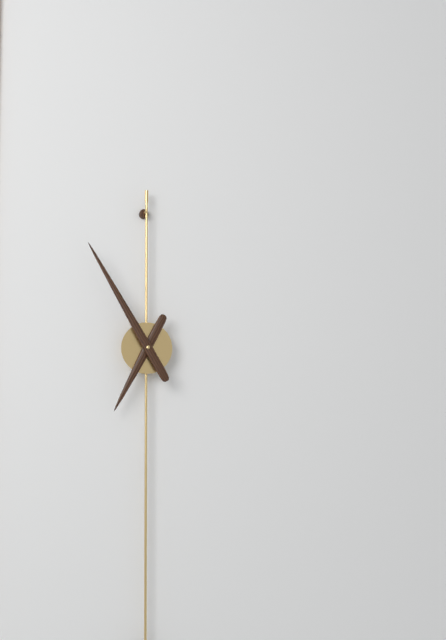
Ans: 6:55
